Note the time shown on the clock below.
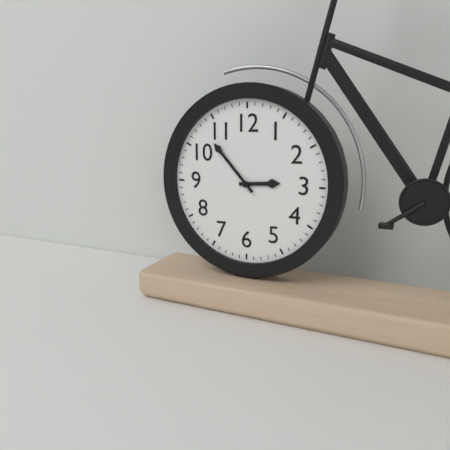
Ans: 2:53
